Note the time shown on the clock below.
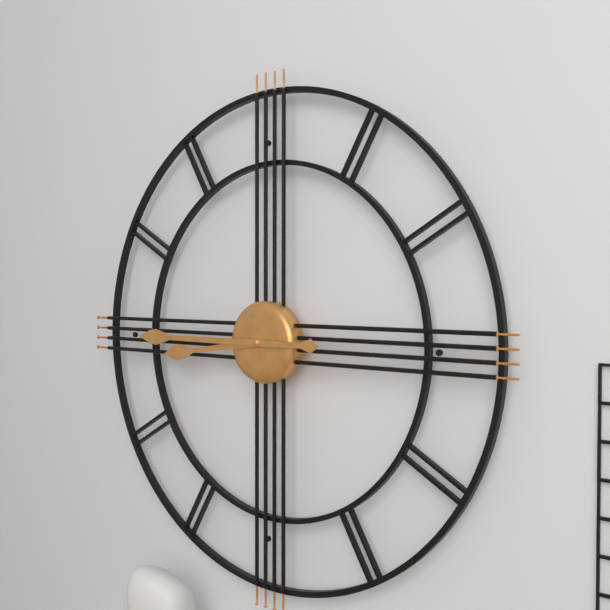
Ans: 8:45
